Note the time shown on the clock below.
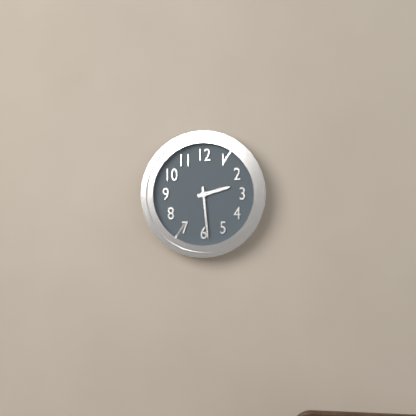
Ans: 2:29
